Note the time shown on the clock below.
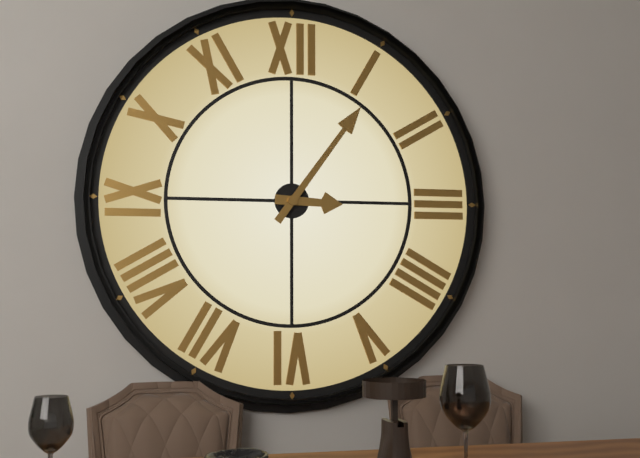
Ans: 3:06
